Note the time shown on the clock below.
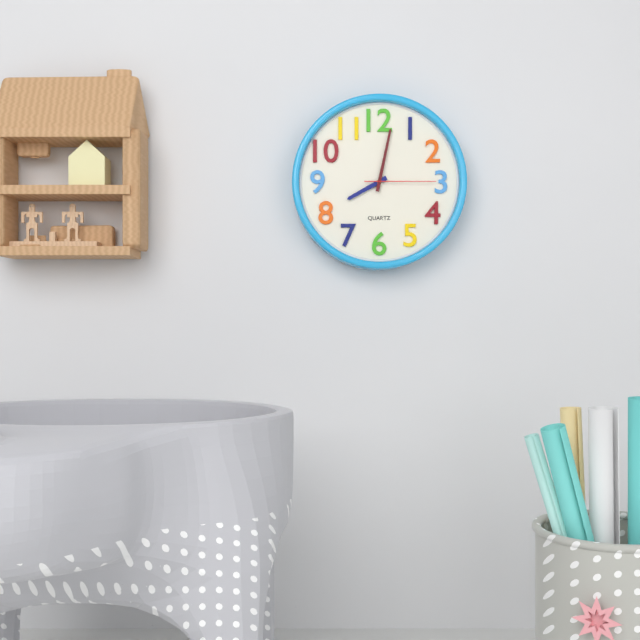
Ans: 8:02:15
